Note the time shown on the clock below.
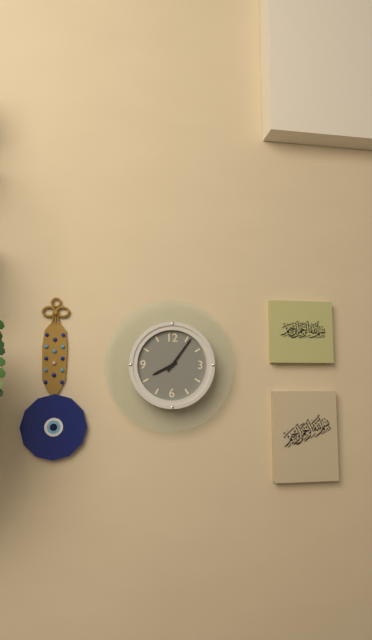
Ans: 8:06
